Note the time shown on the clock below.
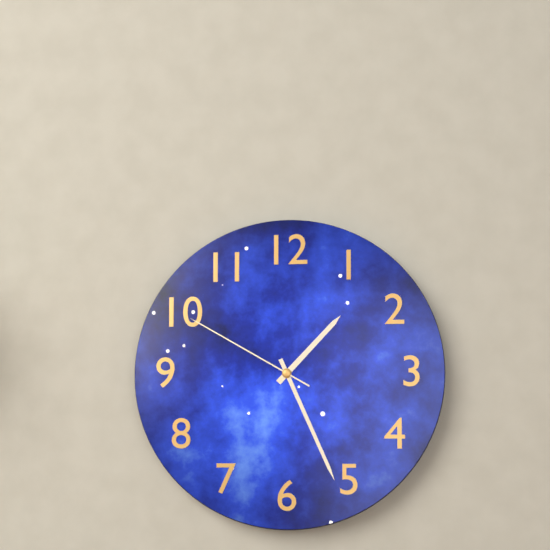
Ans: 1:26:50
